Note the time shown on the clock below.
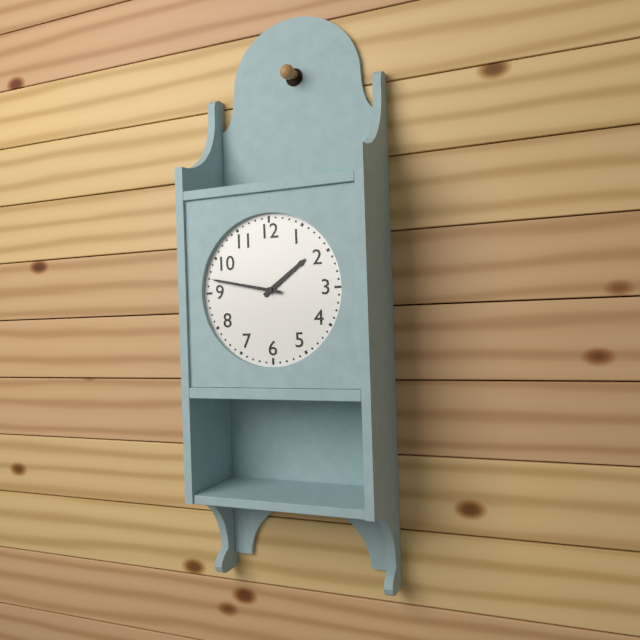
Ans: 1:47
